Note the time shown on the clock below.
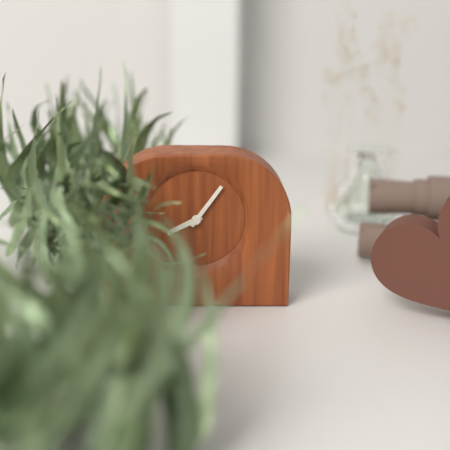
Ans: 8:06
